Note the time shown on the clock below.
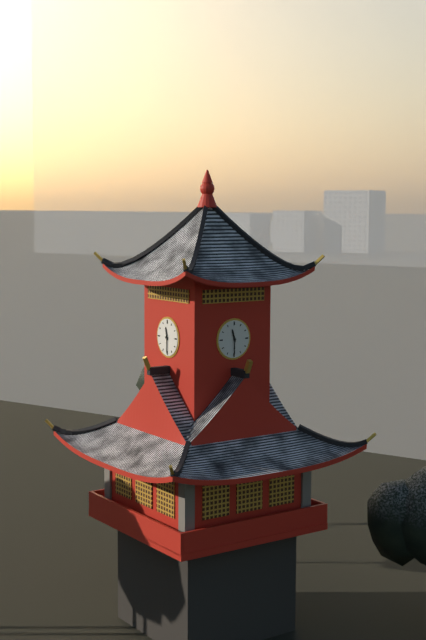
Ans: 11:30
